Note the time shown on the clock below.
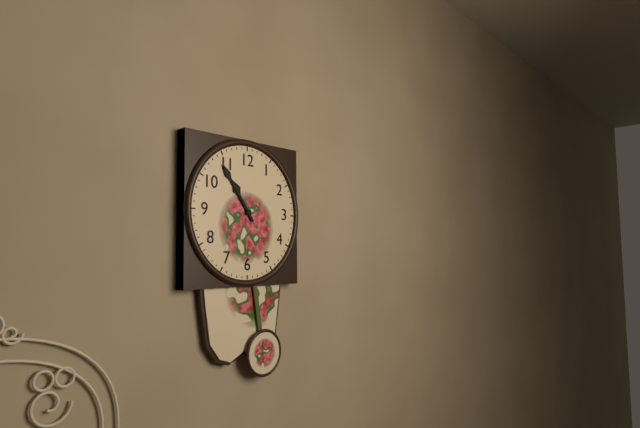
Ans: 10:54
